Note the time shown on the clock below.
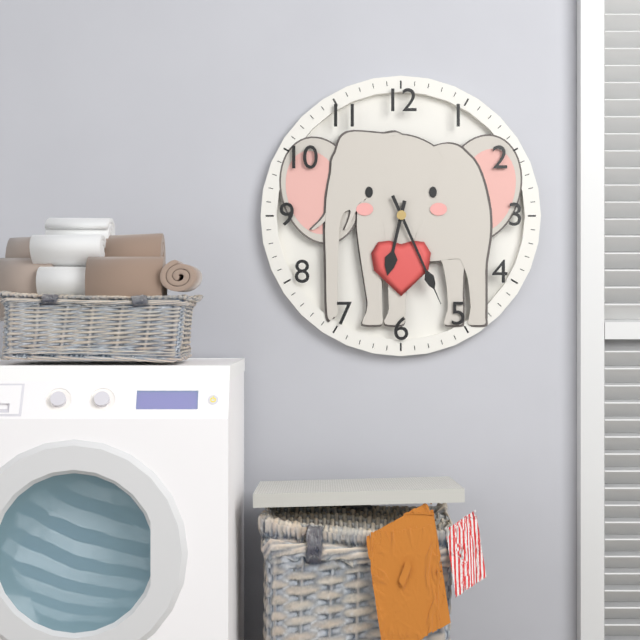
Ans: 6:26
